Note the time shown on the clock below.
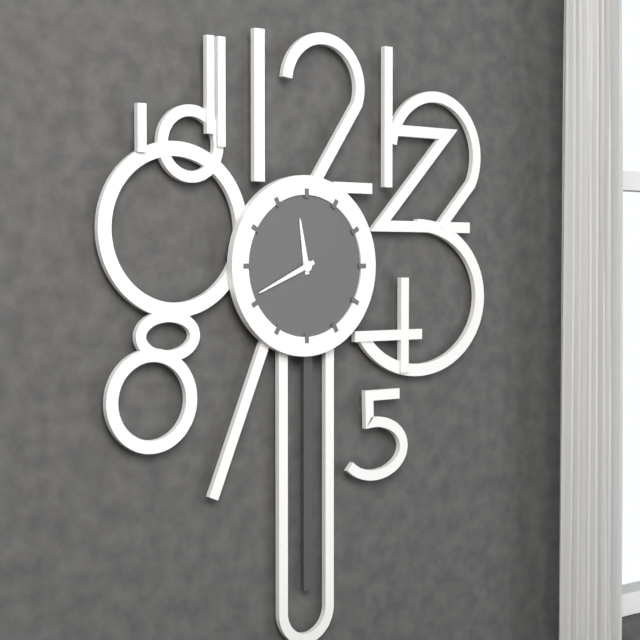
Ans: 11:41
